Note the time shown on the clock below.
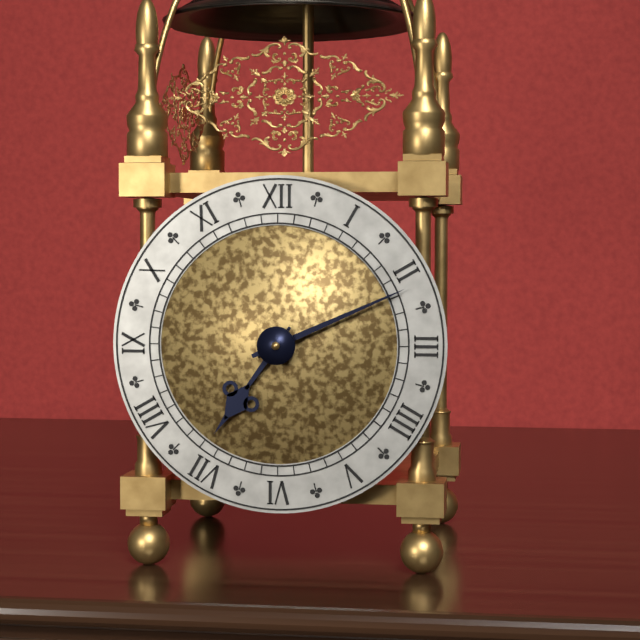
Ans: 7:11
